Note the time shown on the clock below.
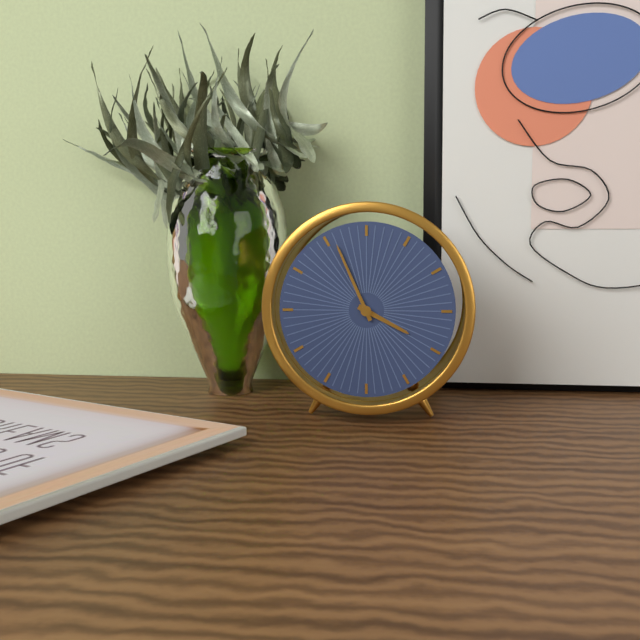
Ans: 3:56
